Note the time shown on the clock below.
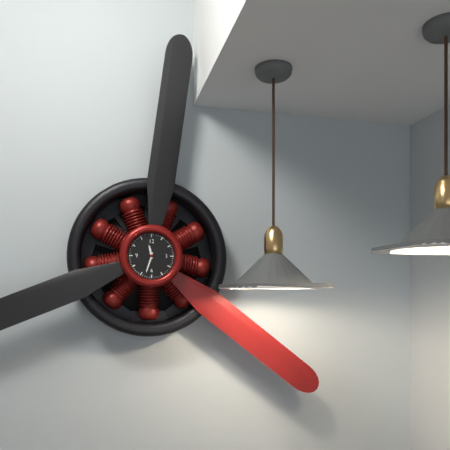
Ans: 11:33
